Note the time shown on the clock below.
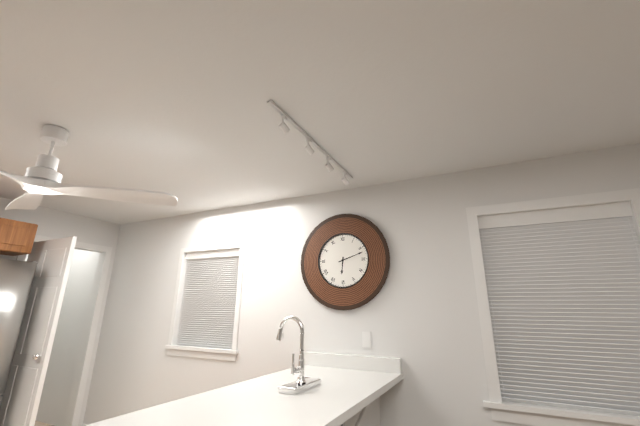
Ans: 6:12
